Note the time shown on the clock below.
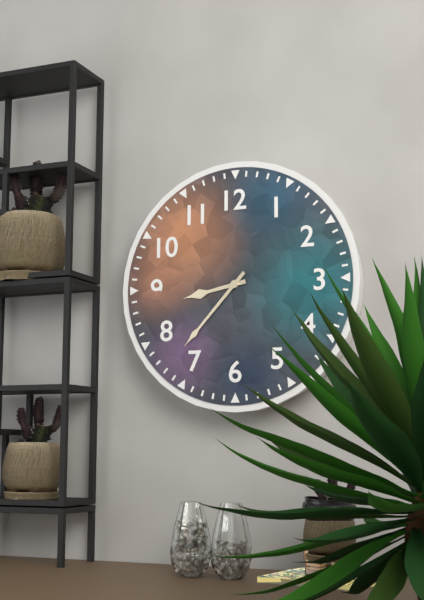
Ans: 8:37
